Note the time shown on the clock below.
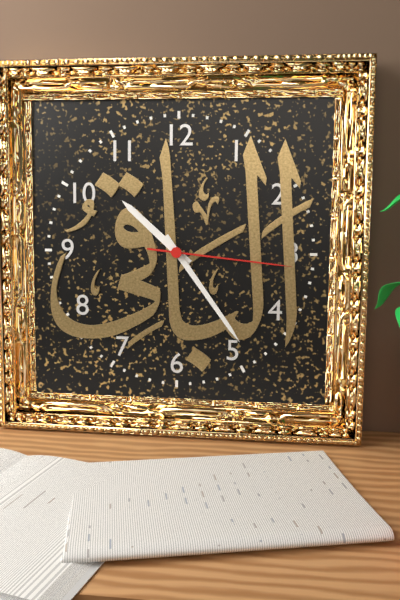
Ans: 10:24:16
